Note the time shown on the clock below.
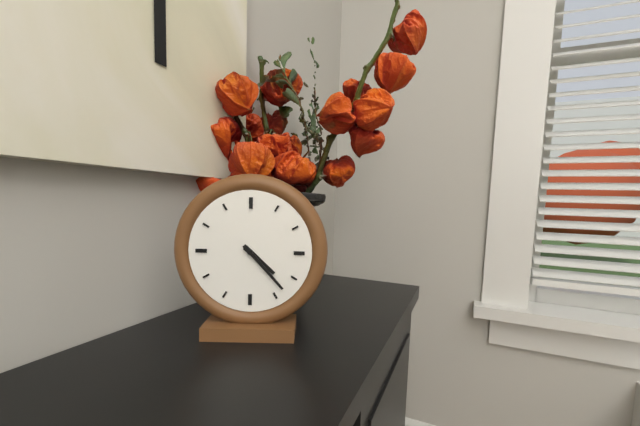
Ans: 4:23
